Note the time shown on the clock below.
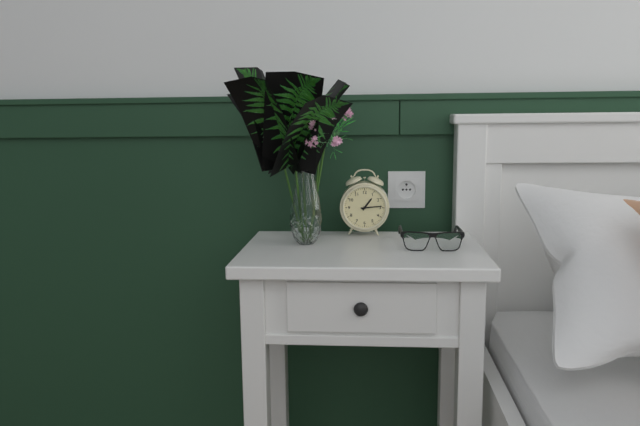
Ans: 1:14
